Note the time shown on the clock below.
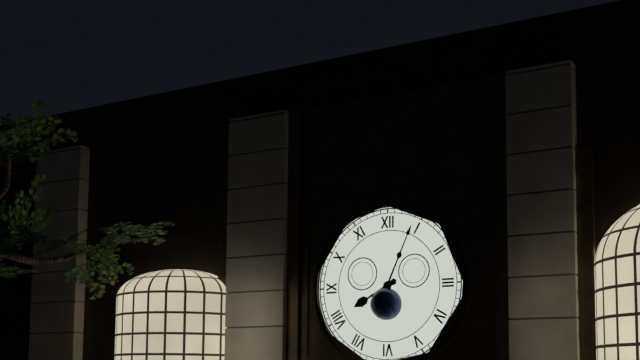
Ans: 8:04
